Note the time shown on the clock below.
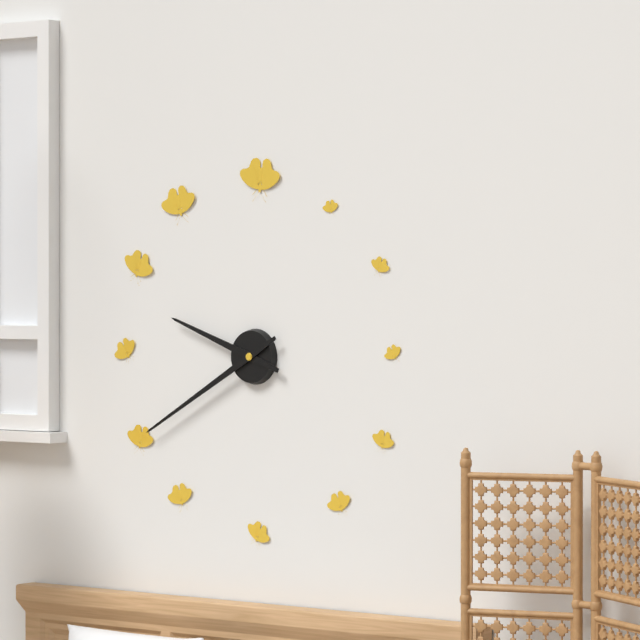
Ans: 9:40
